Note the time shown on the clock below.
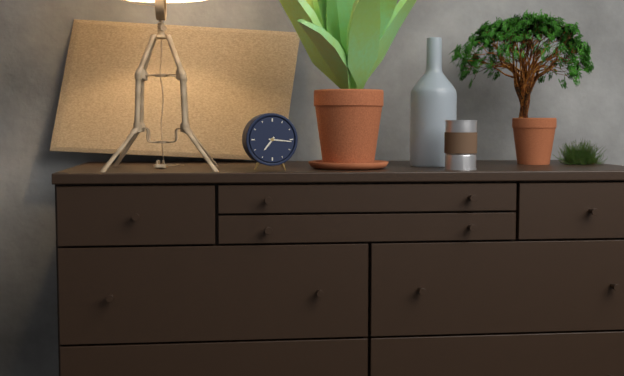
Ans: 7:16
